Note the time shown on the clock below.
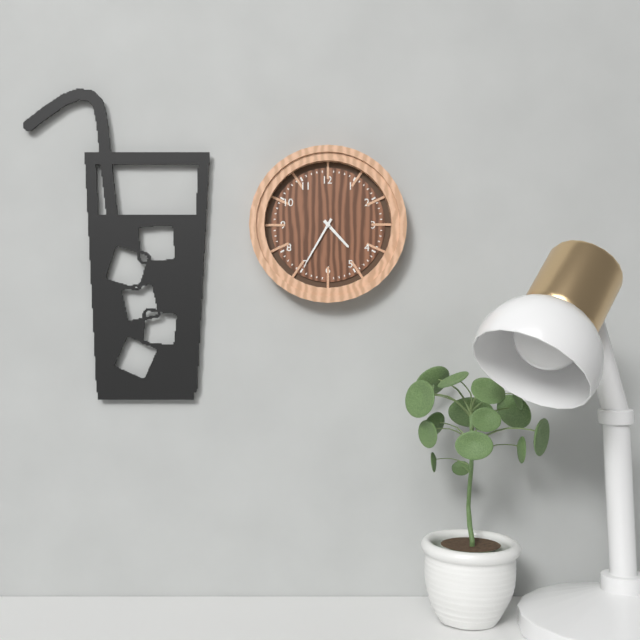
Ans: 4:35
